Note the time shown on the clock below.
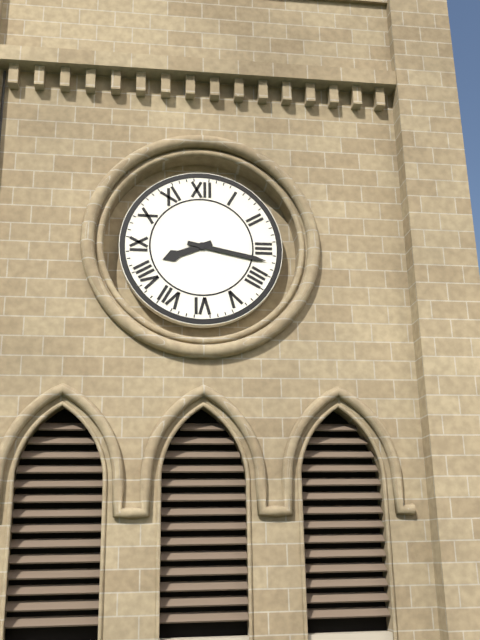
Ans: 8:17
